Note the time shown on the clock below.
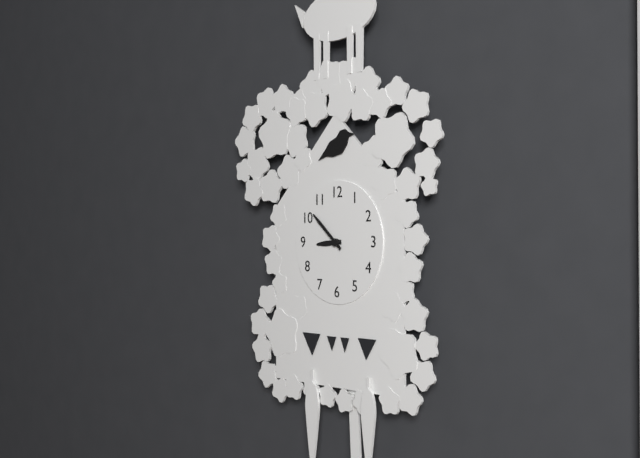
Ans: 8:52
